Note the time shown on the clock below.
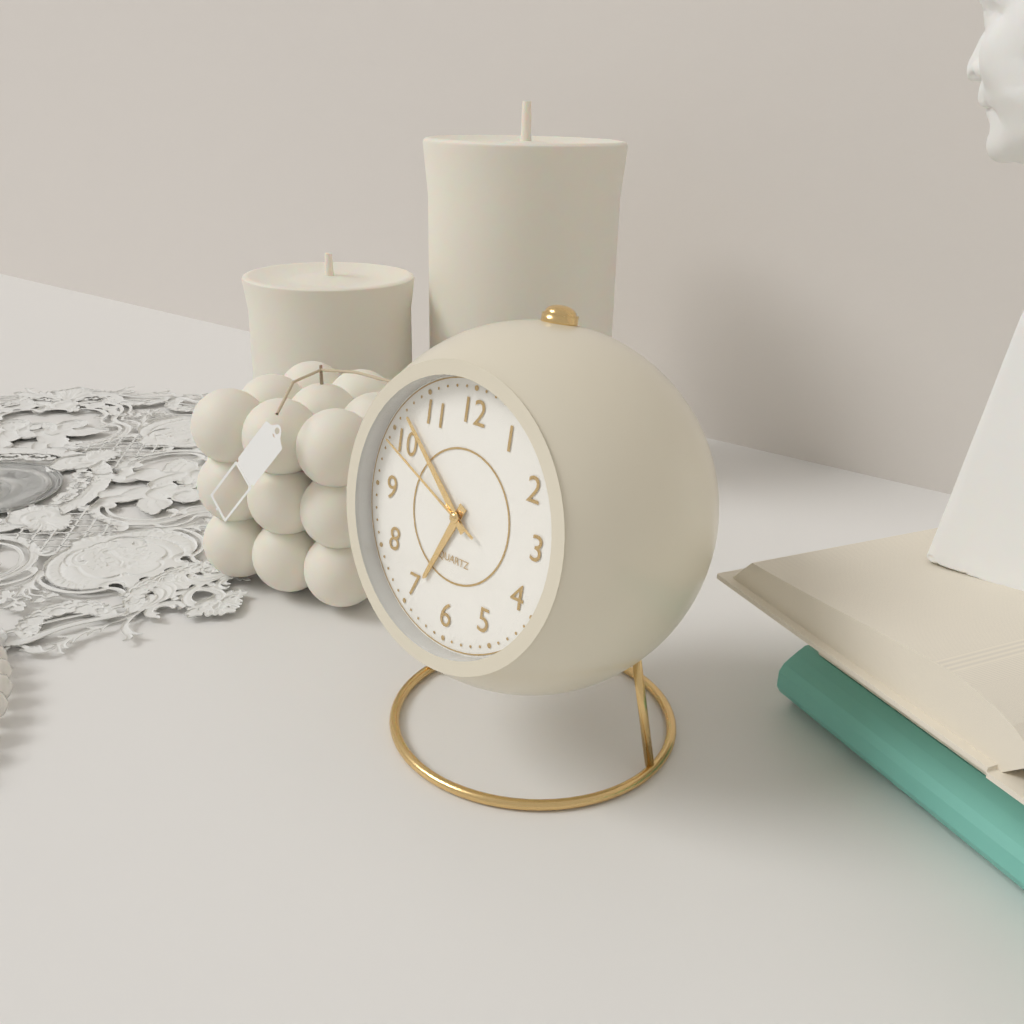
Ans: 6:52:49
